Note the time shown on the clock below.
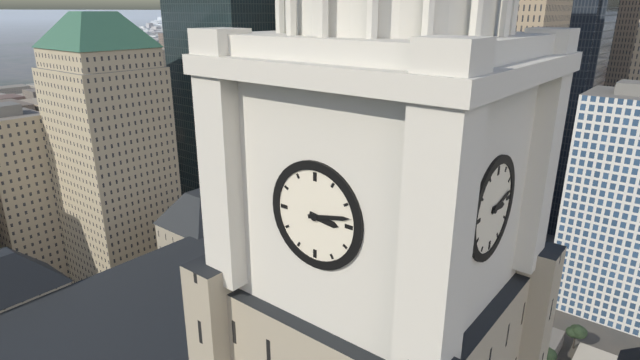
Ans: 3:13
